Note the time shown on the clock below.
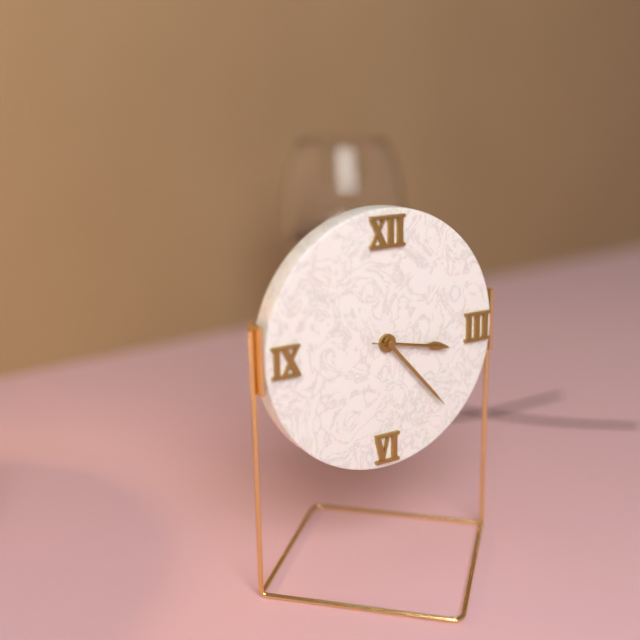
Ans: 3:23:17
